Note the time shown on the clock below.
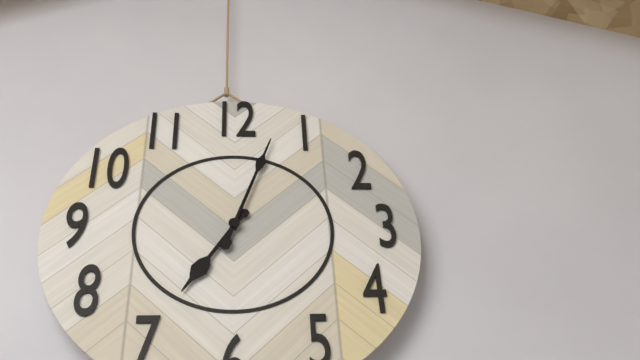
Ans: 7:03
